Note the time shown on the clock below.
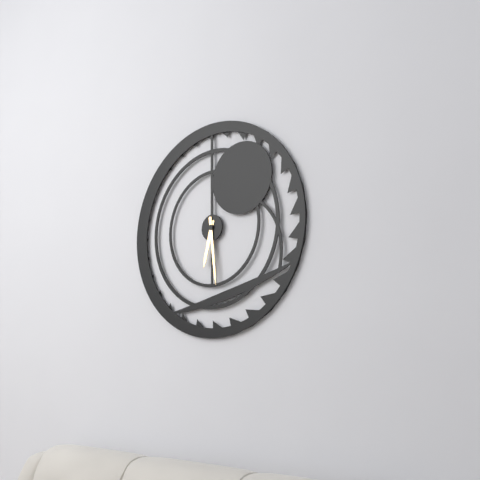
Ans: 6:29
